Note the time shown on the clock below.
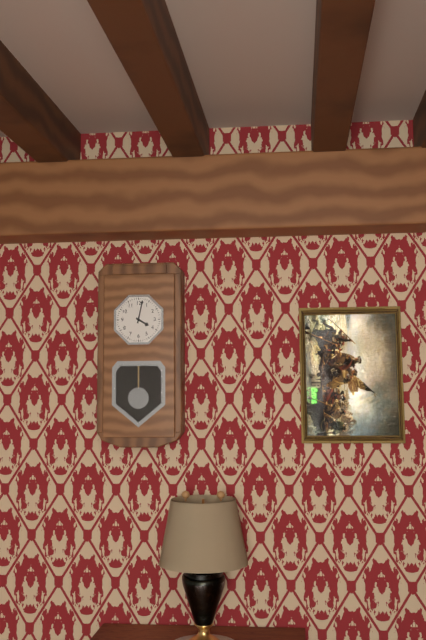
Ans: 4:02
